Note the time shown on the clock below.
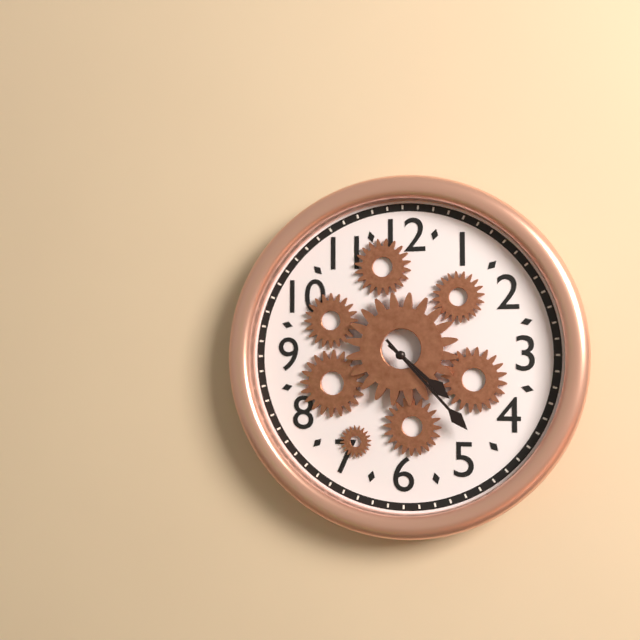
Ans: 4:23
